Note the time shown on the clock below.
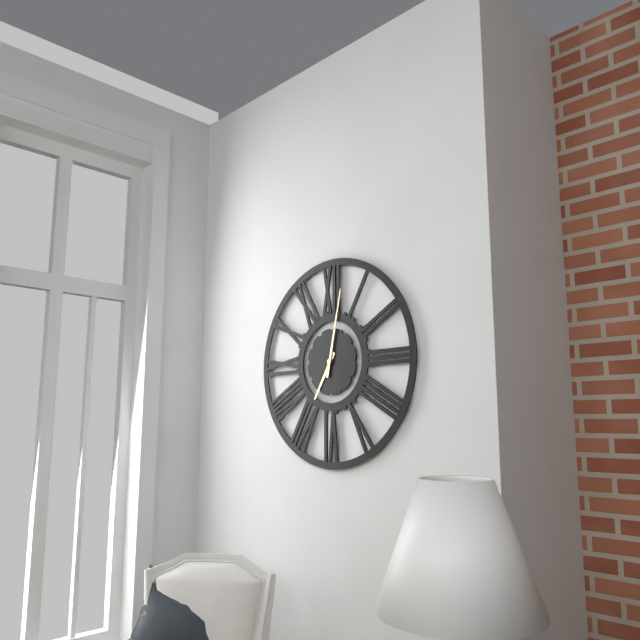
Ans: 7:02
